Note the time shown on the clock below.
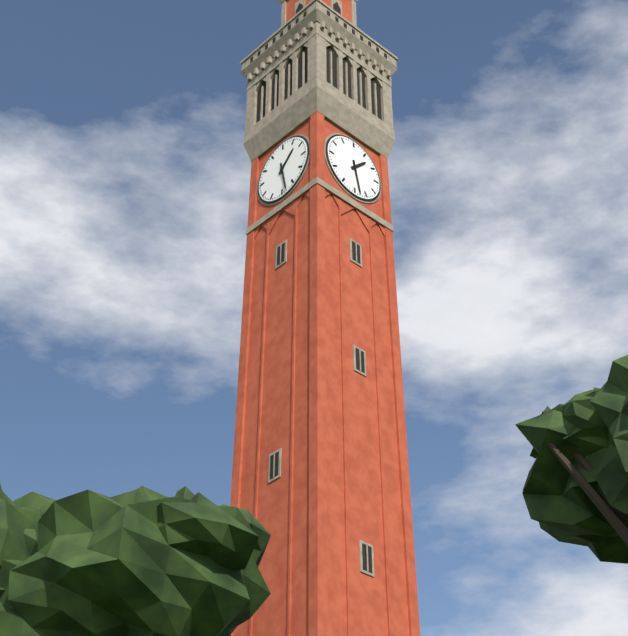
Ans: 1:28
